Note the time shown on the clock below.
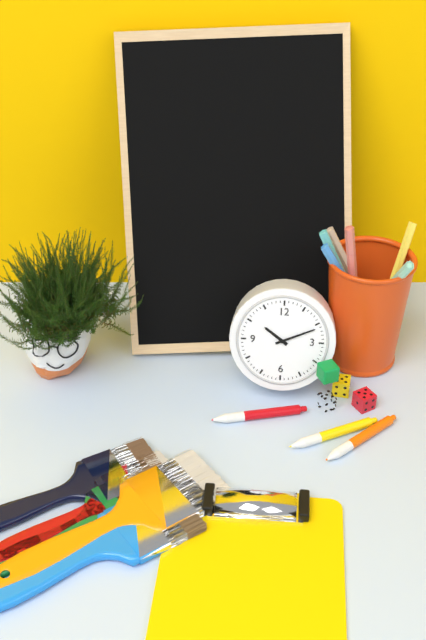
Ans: 10:11
